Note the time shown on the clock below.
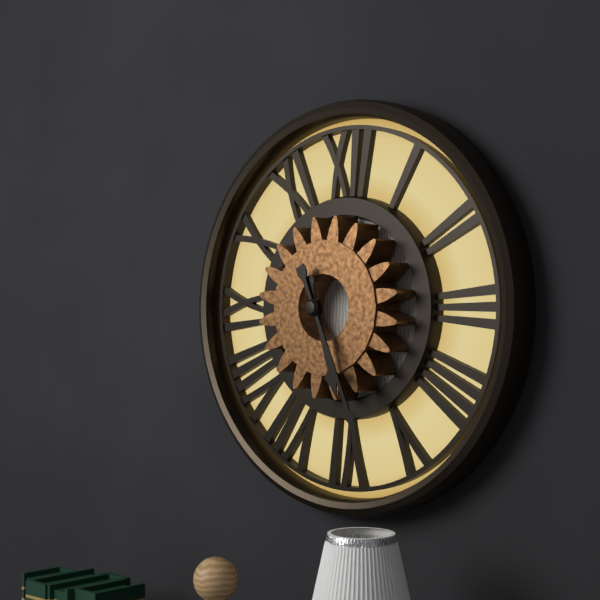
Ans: 5:26
